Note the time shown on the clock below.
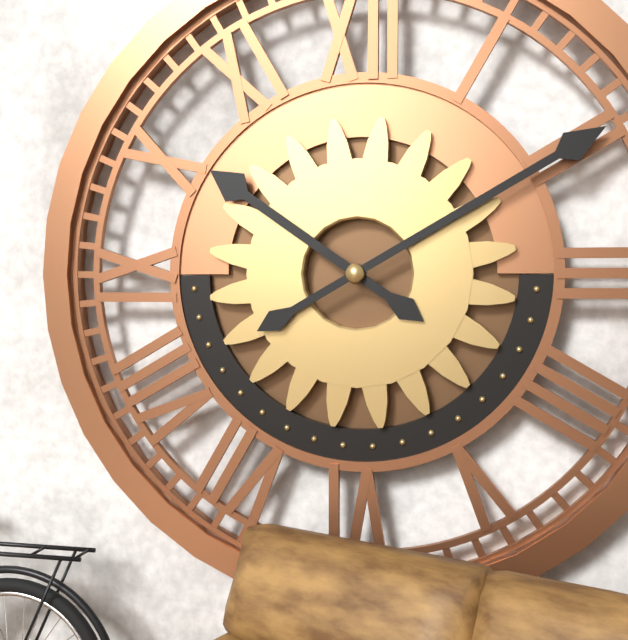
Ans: 10:10
